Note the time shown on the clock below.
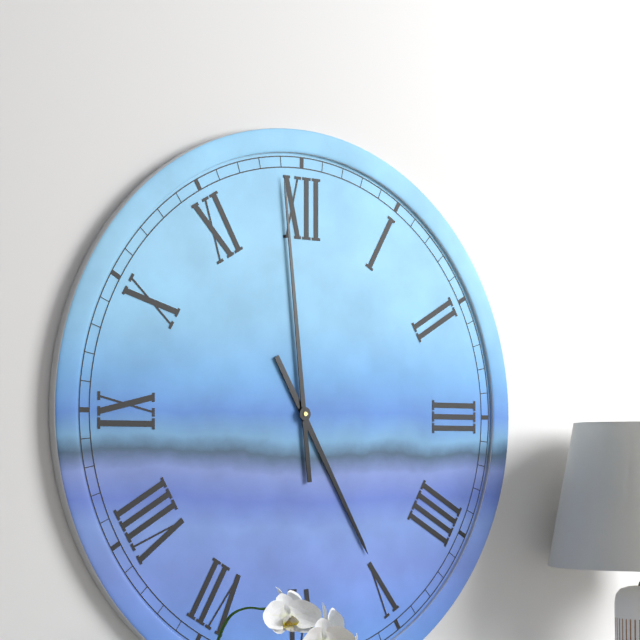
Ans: 4:59
